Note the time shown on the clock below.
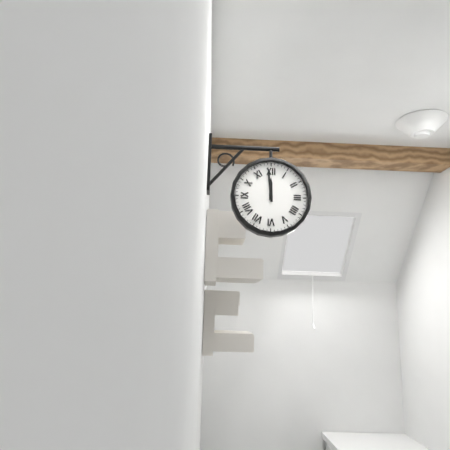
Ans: 11:59
